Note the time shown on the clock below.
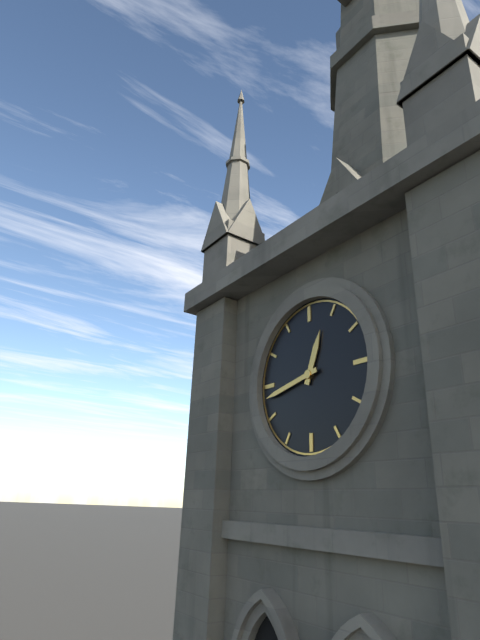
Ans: 12:43
